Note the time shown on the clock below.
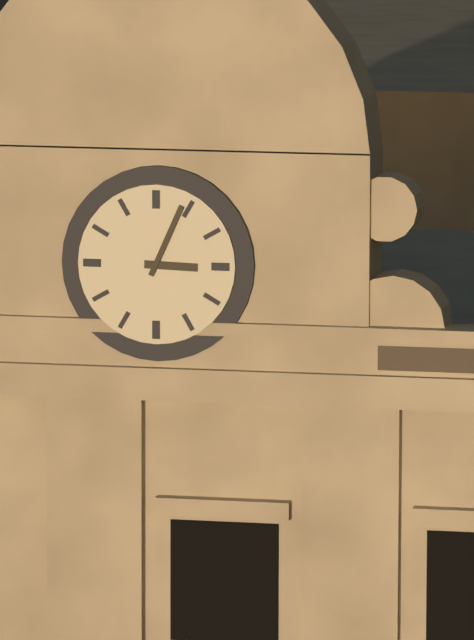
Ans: 3:04
